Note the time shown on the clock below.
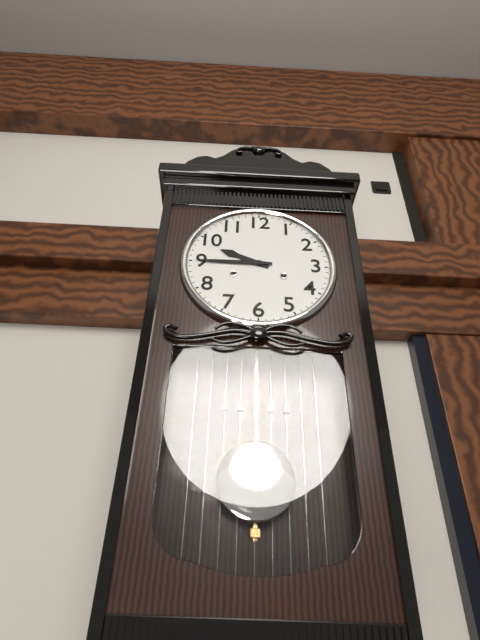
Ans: 9:45
